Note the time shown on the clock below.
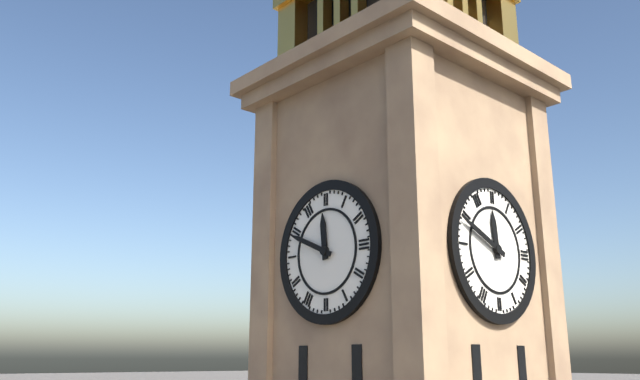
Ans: 11:49
